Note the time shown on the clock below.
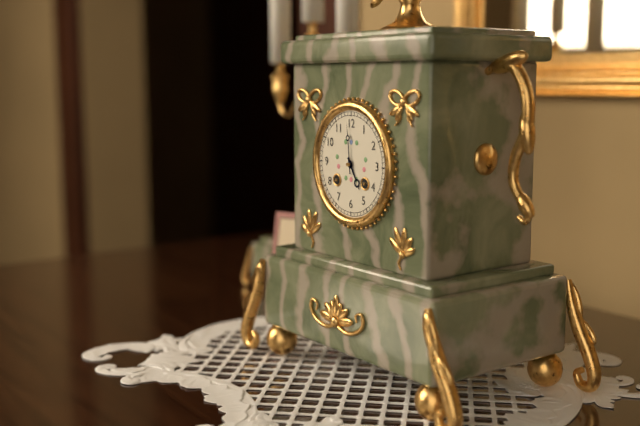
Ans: 4:59
